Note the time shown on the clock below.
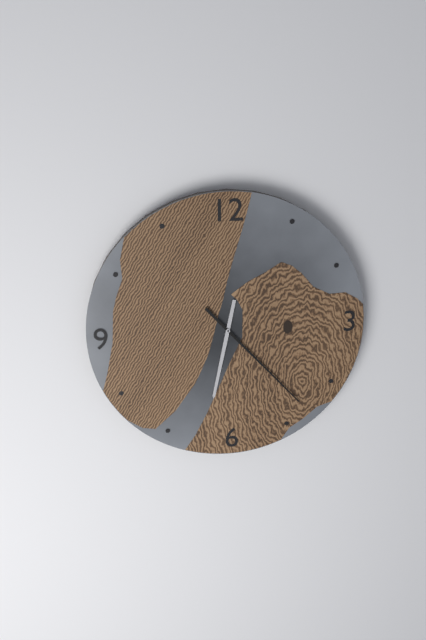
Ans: 6:23
